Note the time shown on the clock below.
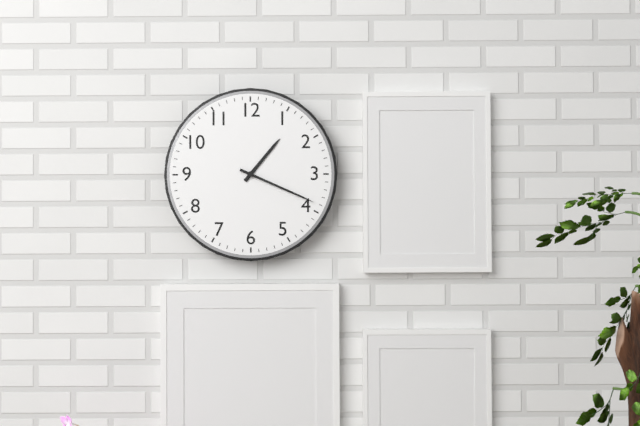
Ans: 1:19
